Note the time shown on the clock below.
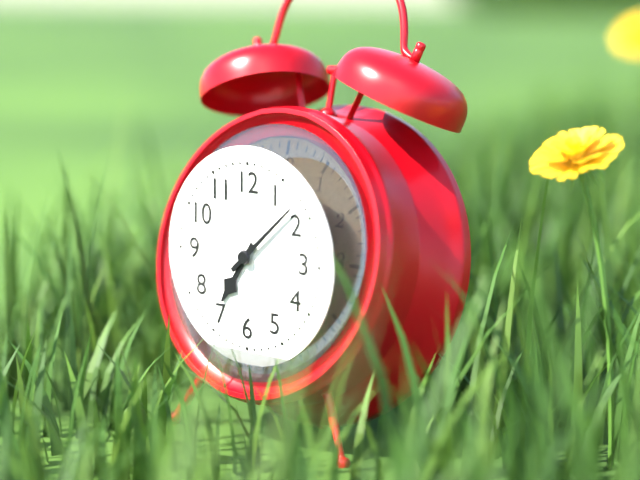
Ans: 7:08
